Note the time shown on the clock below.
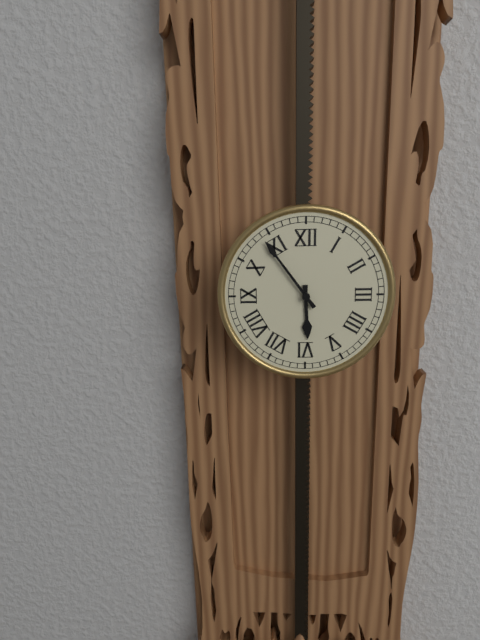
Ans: 5:54
